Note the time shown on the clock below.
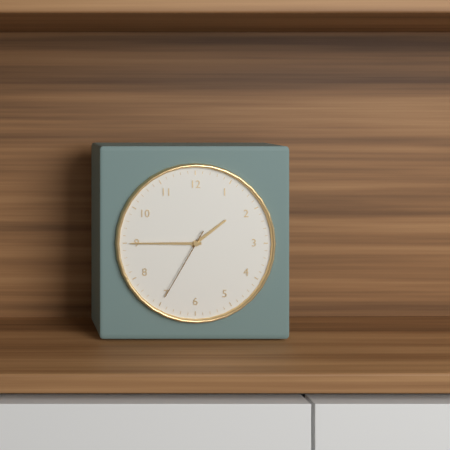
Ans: 1:45:35
